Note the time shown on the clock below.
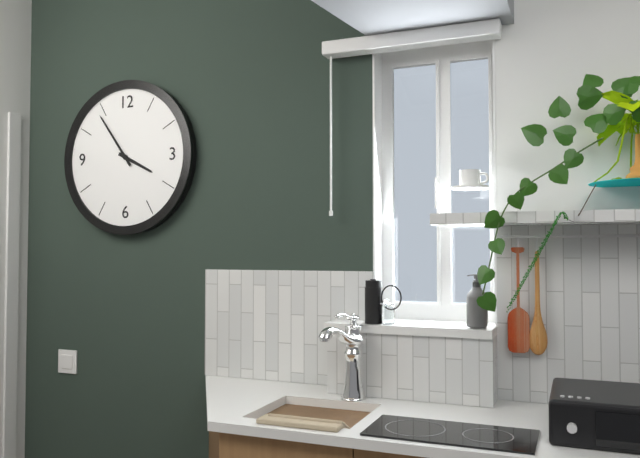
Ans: 3:54
